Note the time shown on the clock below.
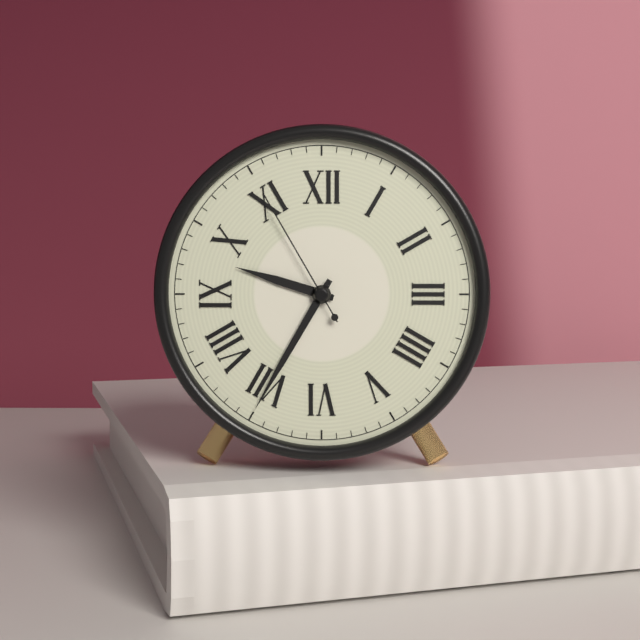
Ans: 9:35:55
